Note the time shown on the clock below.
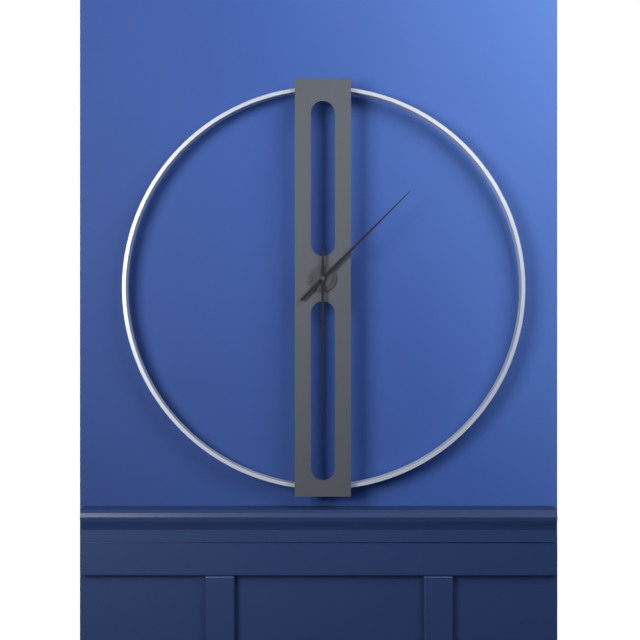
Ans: 1:30
